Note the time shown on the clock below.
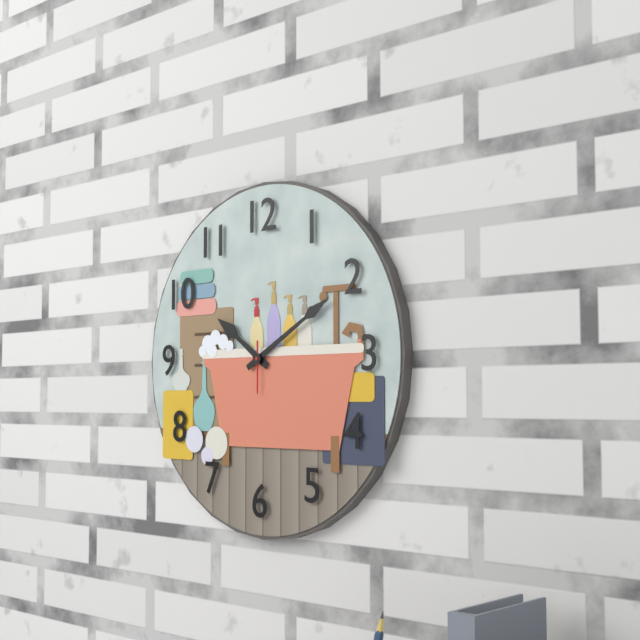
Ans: 10:10
